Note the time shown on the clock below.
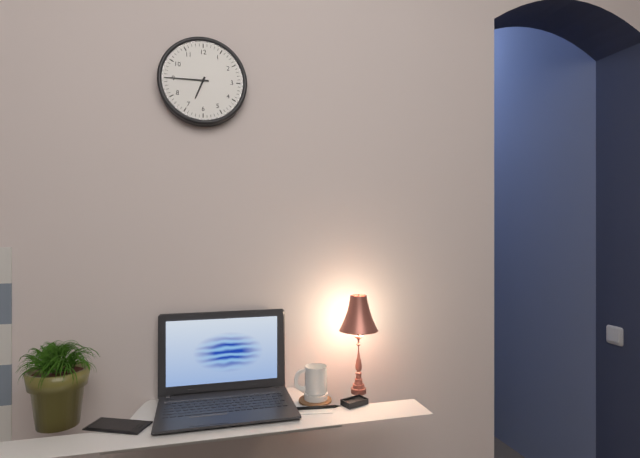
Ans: 6:45
